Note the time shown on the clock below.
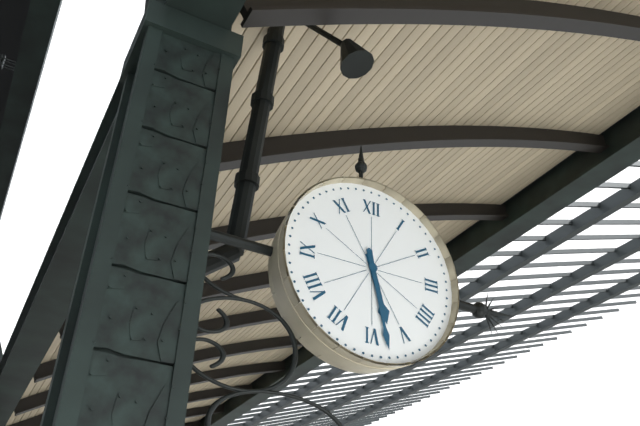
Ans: 5:28
